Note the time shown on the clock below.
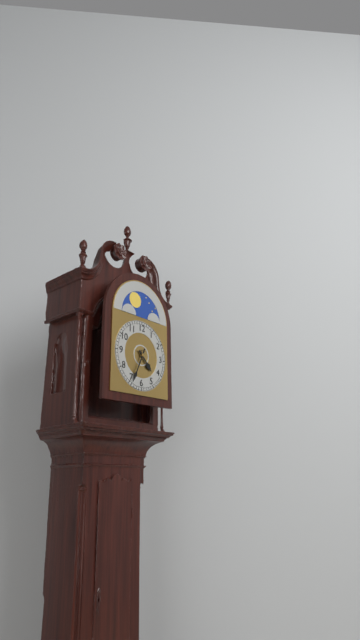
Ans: 4:34
